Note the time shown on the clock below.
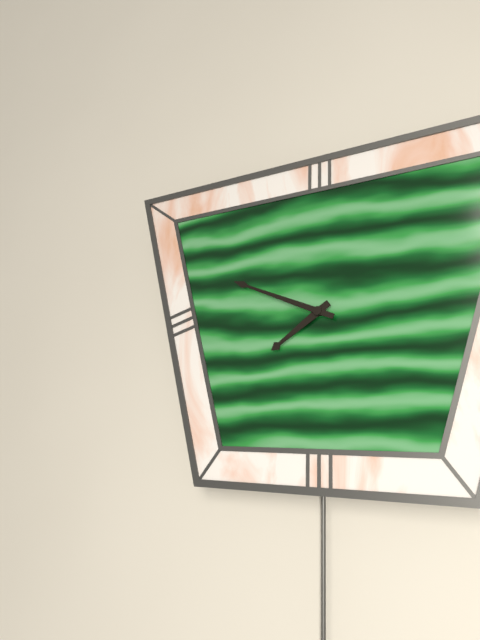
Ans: 7:49
